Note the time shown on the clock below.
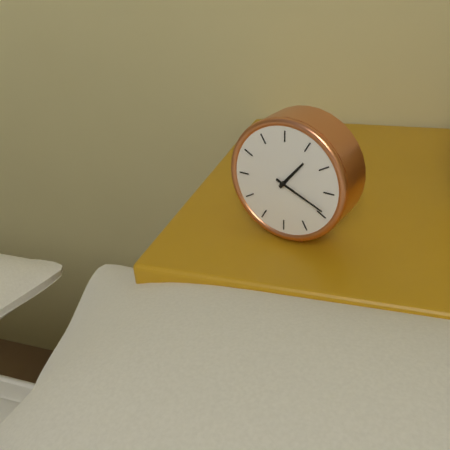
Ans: 1:19
